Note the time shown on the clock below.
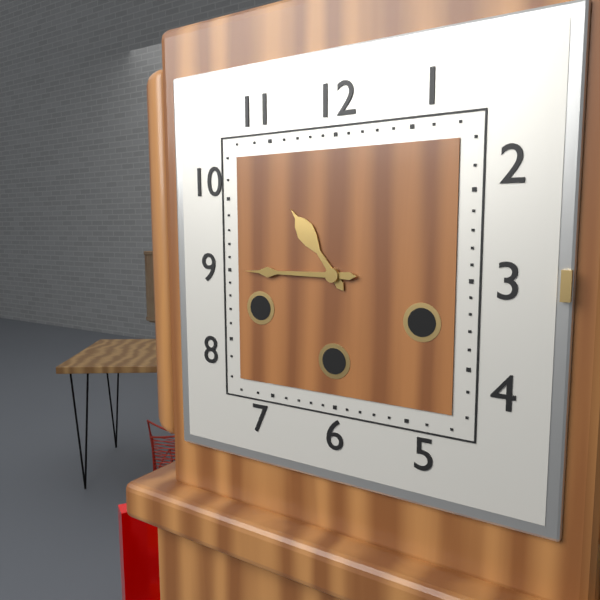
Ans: 10:45
